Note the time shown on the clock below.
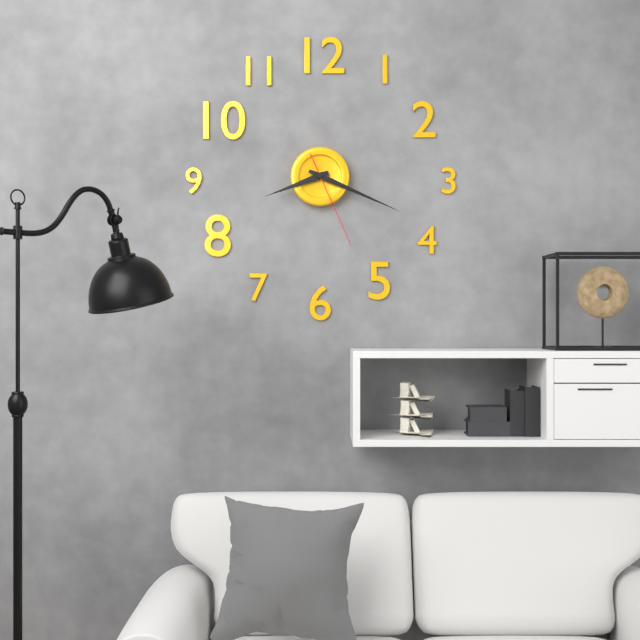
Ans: 8:19:26
